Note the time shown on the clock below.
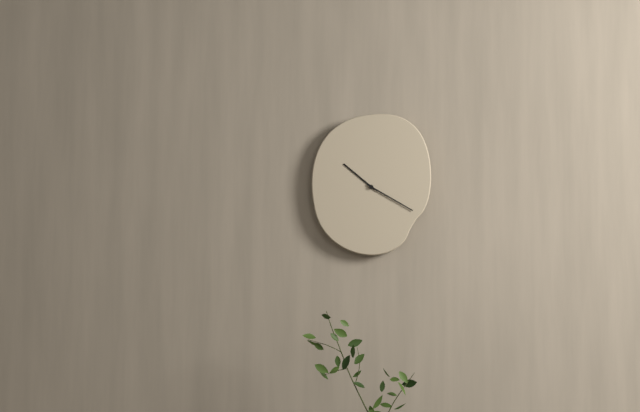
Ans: 10:20
